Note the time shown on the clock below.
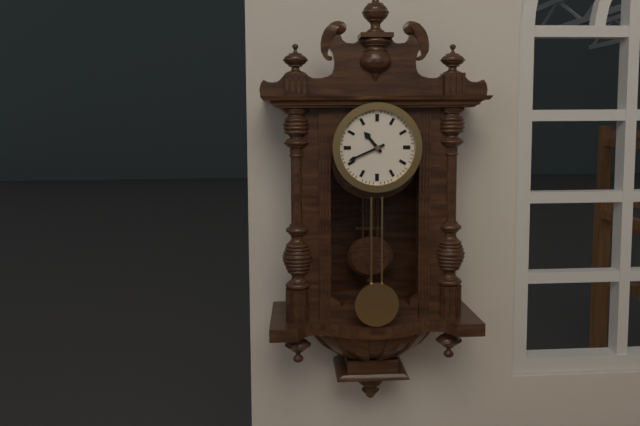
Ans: 10:41
